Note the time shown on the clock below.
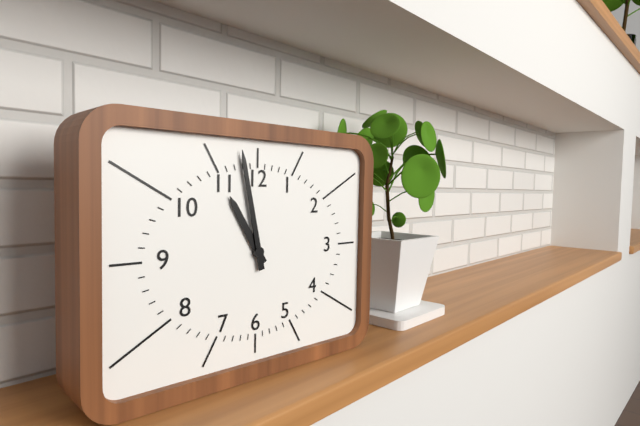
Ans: 10:58
